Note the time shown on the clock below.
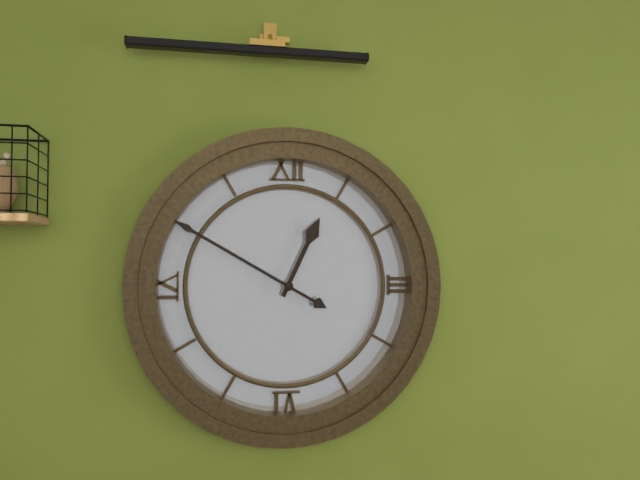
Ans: 12:50
